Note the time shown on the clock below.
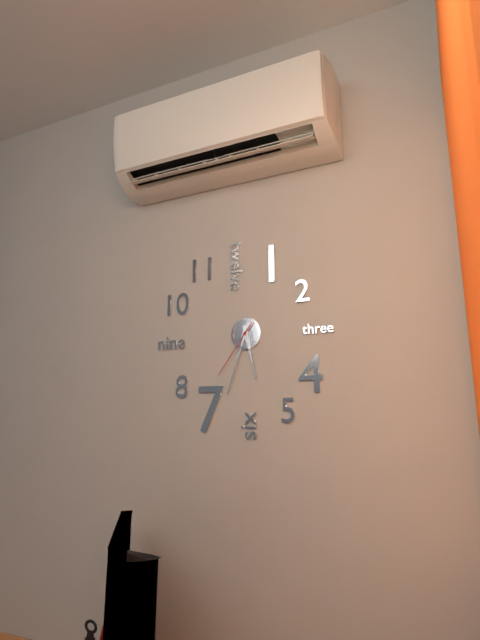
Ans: 5:33:36
